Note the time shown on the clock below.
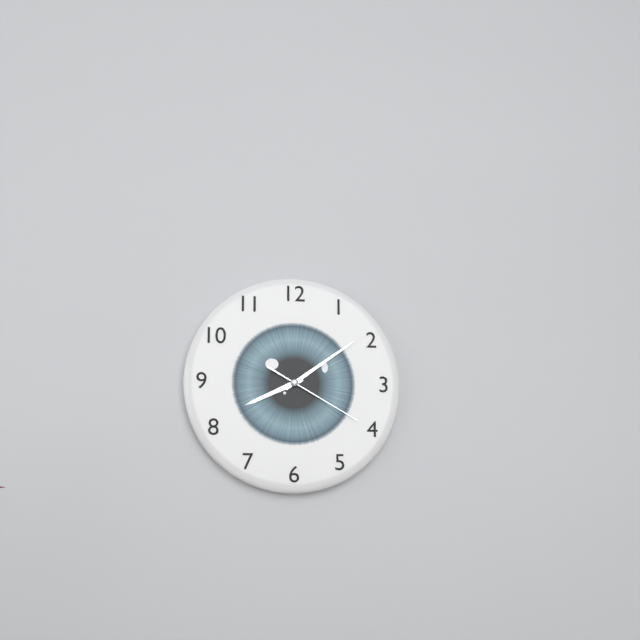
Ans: 8:09:20
